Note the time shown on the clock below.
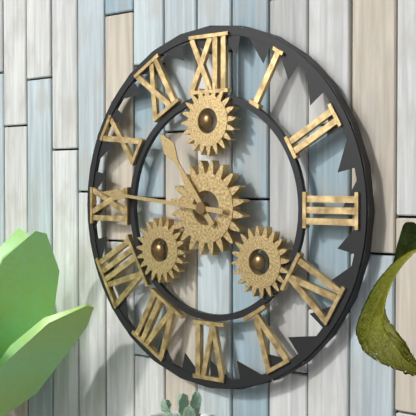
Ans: 10:46
